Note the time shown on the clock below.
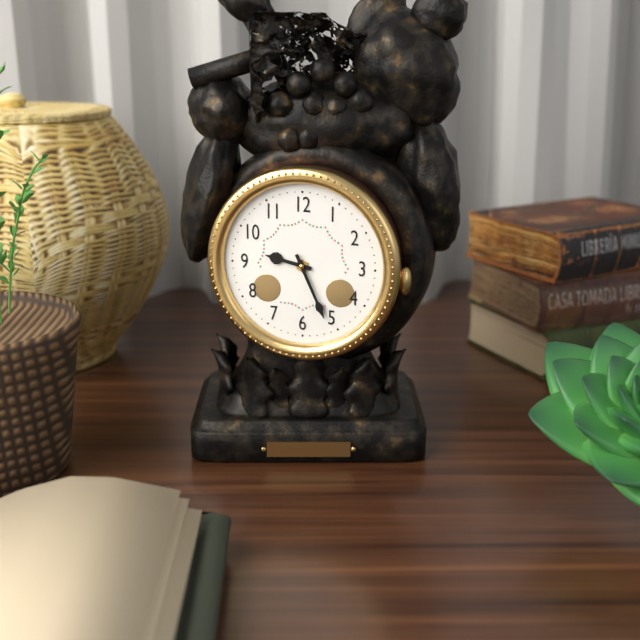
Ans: 9:26
